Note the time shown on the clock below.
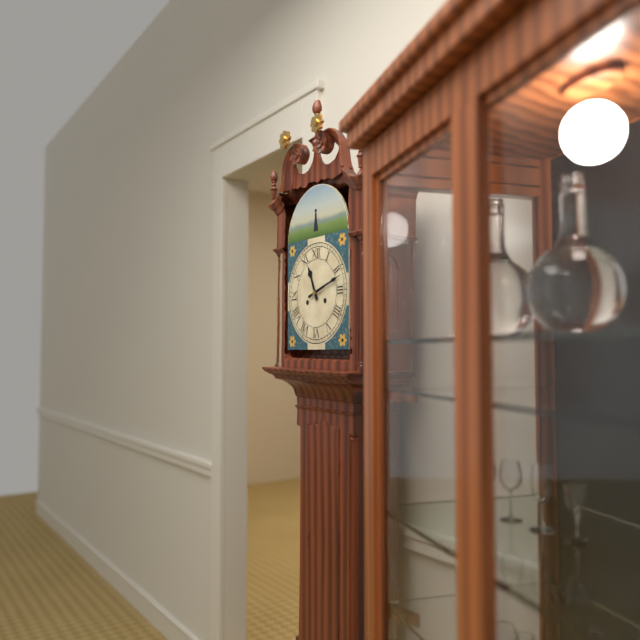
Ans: 11:12
